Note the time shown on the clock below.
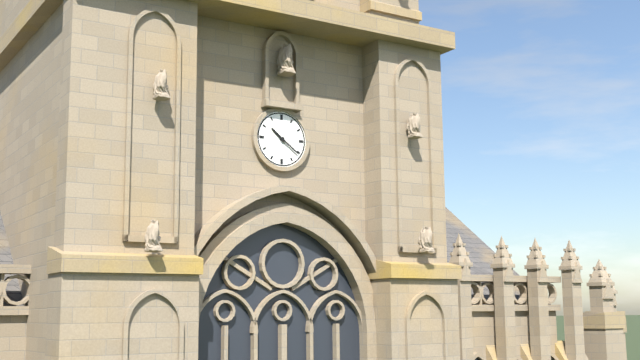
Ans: 10:21
